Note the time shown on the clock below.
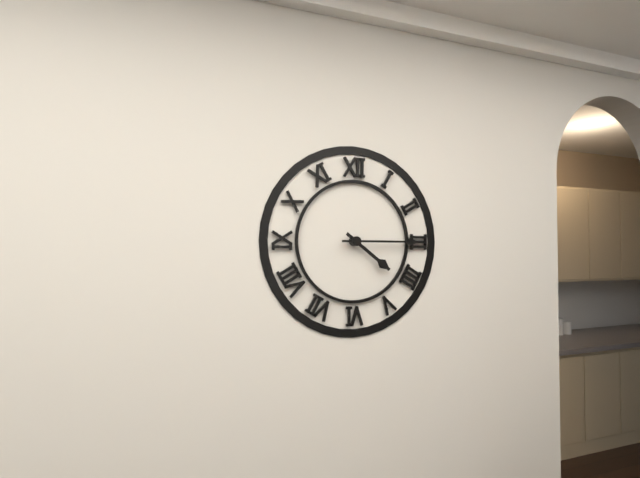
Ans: 4:15
